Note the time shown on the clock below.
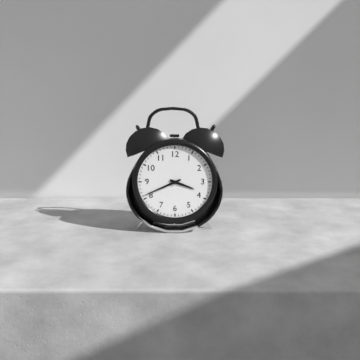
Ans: 3:41
